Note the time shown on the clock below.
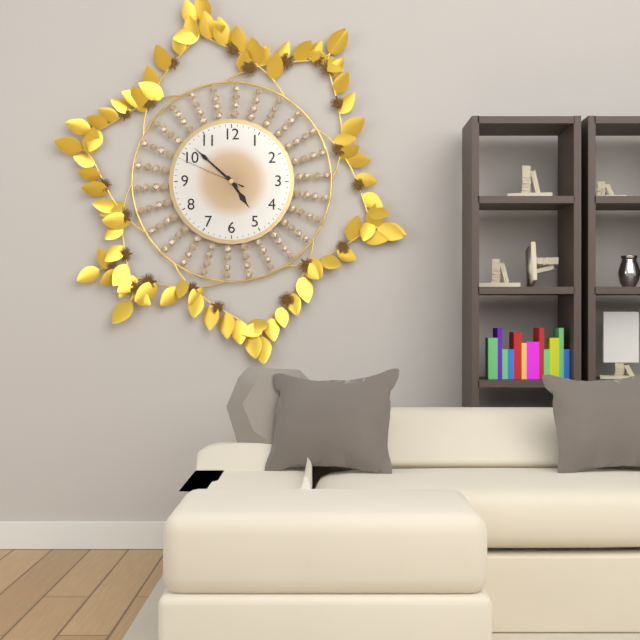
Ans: 4:52:49
